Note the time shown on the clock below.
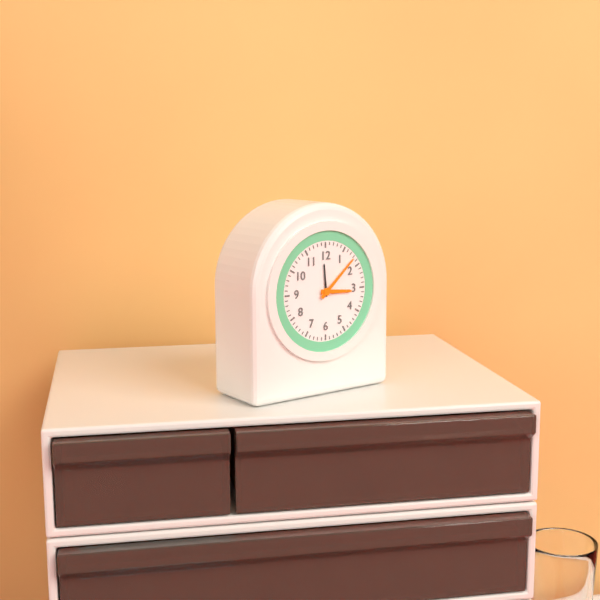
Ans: 3:08
